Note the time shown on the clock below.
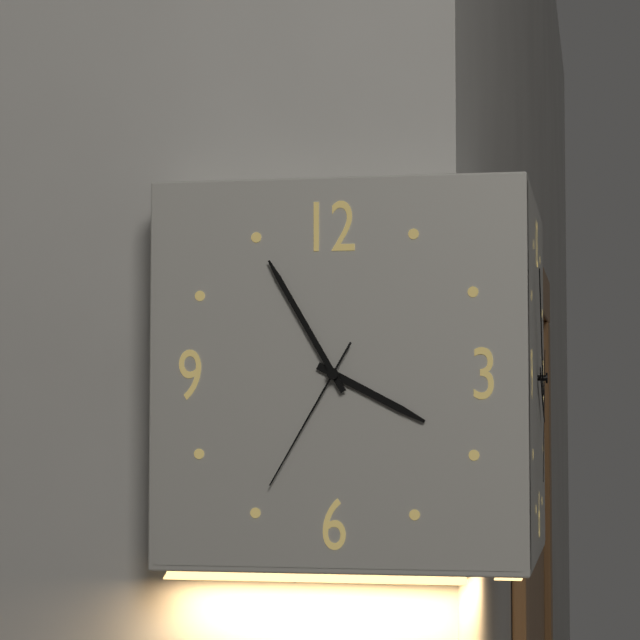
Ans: 3:55:35
